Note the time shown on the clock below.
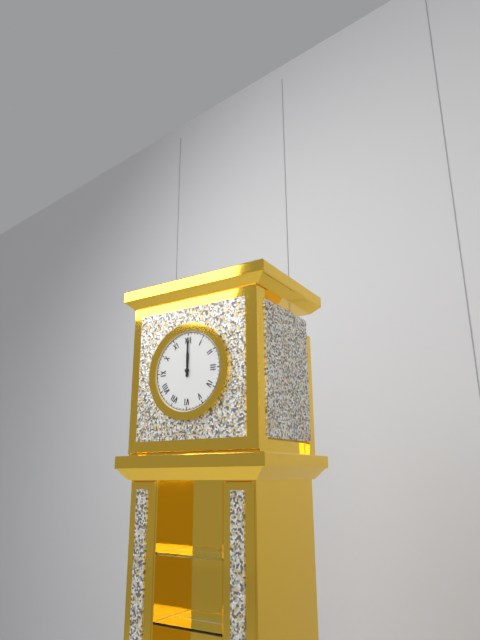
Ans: 12:00
